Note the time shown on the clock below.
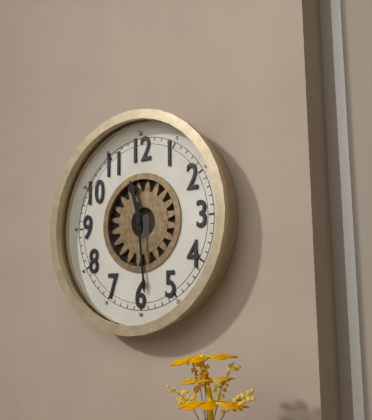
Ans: 11:29
